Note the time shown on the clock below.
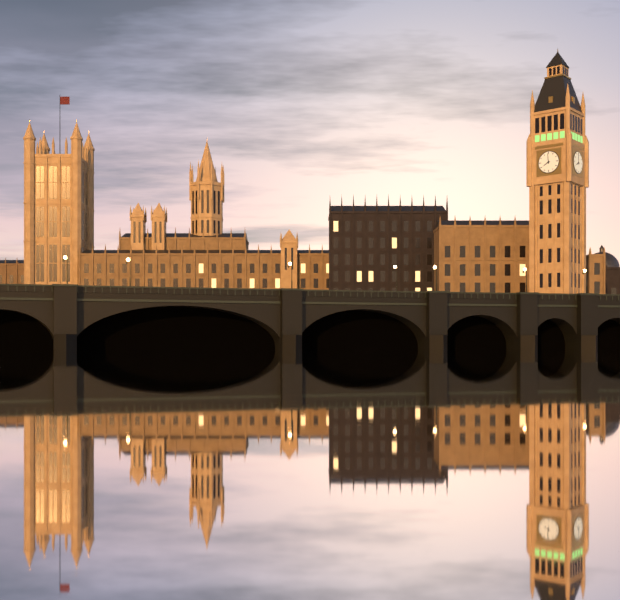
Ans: 7:59
